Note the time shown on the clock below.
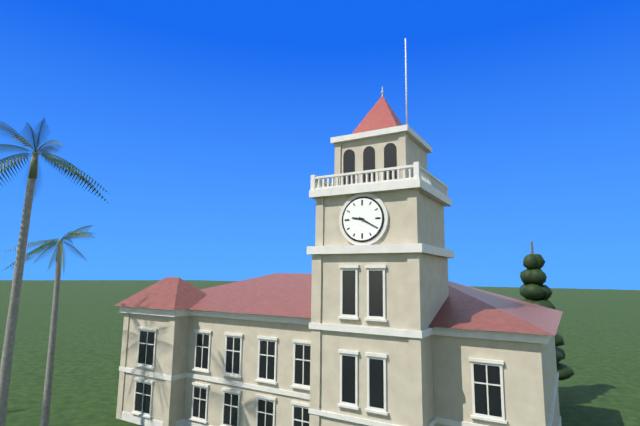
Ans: 9:20
